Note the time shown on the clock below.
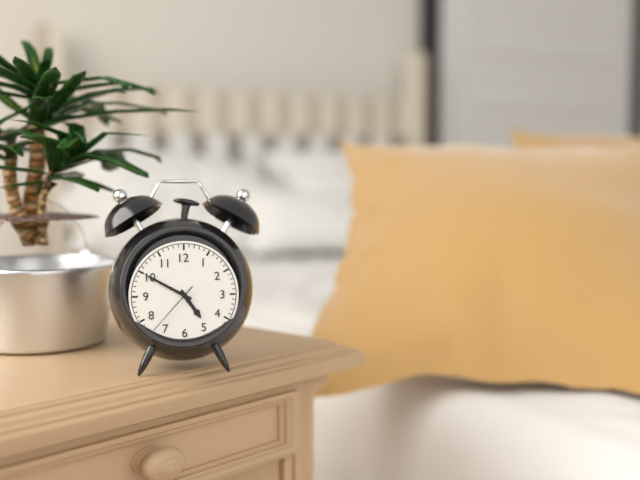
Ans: 4:50:37
